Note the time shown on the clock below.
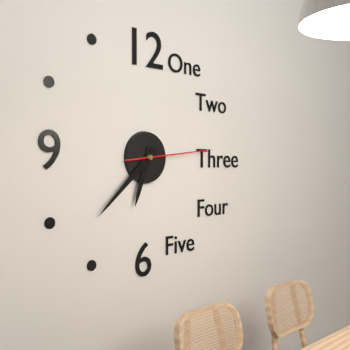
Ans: 6:38:14
